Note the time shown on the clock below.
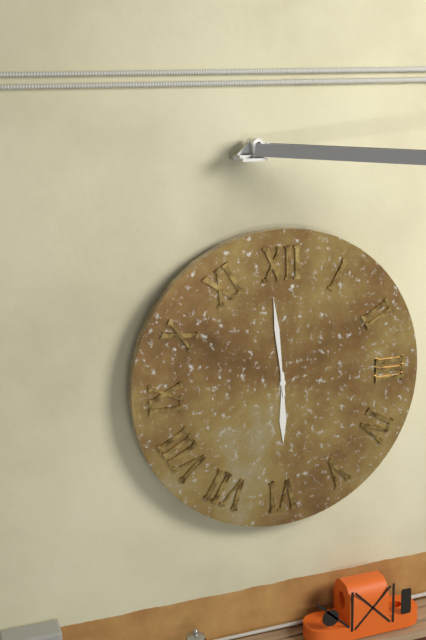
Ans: 5:59
